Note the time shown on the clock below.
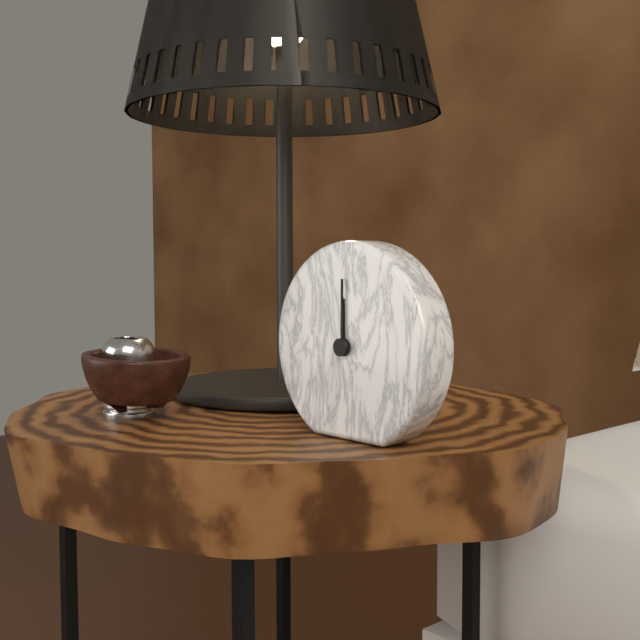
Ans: 12:00
